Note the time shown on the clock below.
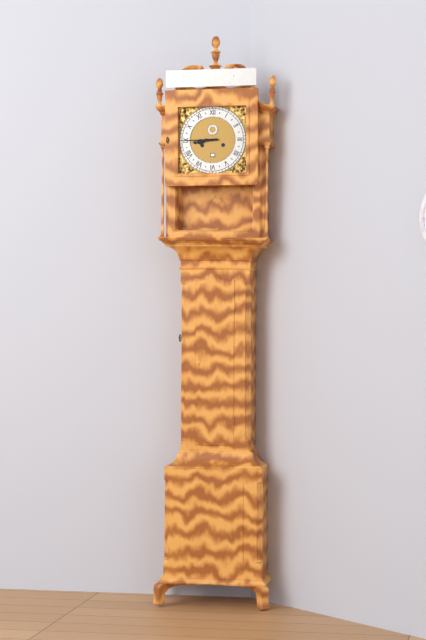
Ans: 8:45
